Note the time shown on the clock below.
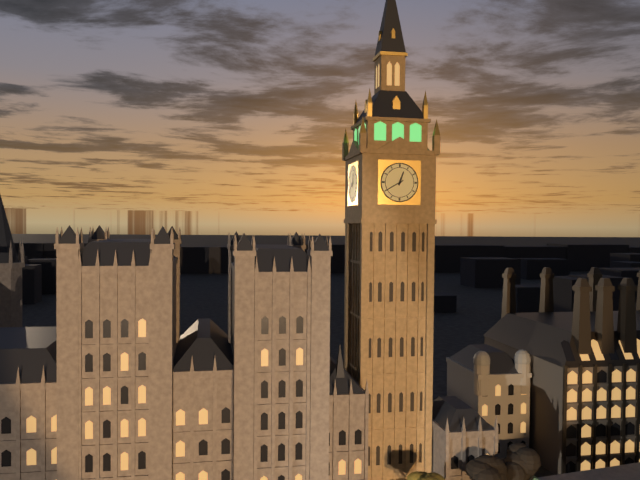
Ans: 12:40
